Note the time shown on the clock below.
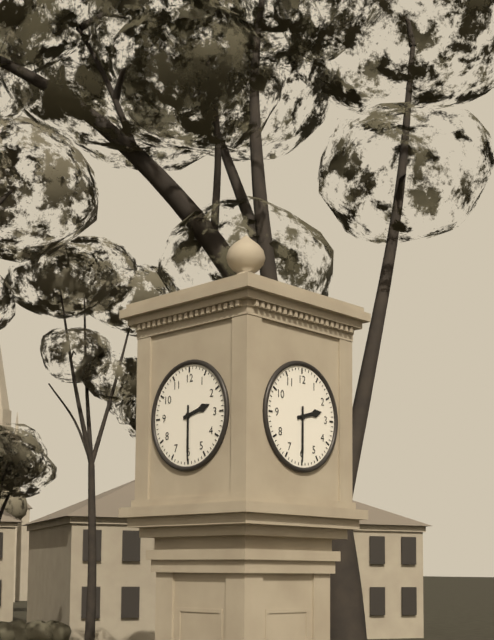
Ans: 2:30
